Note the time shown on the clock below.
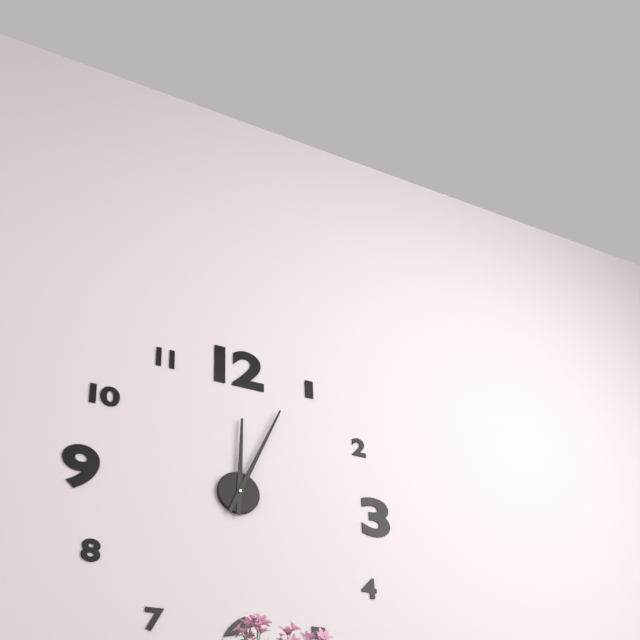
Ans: 12:04
